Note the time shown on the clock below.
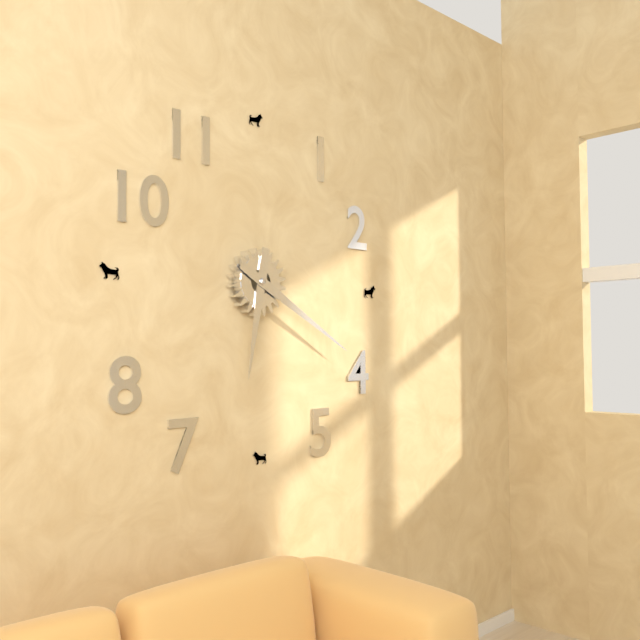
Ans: 6:20
